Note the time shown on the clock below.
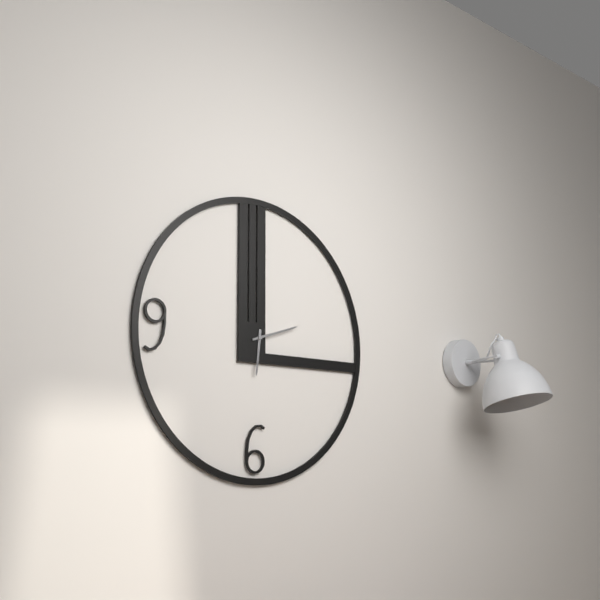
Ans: 6:12
